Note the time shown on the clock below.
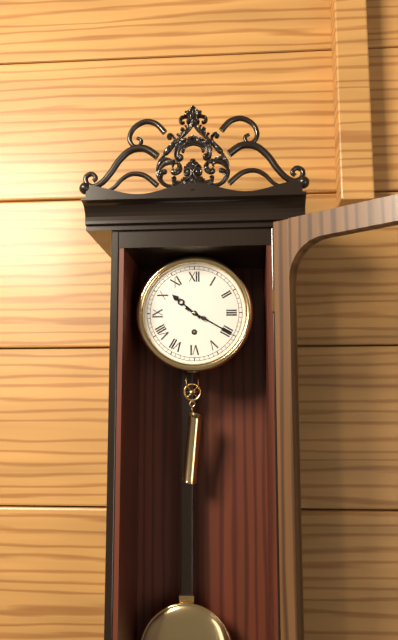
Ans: 10:20
